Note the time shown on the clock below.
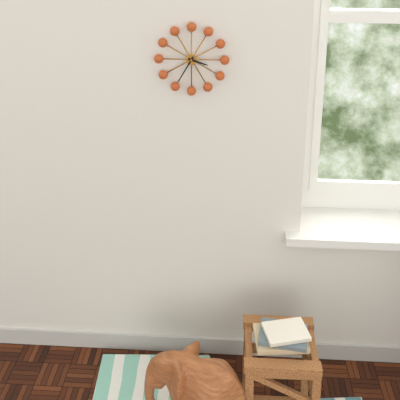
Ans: 3:35
